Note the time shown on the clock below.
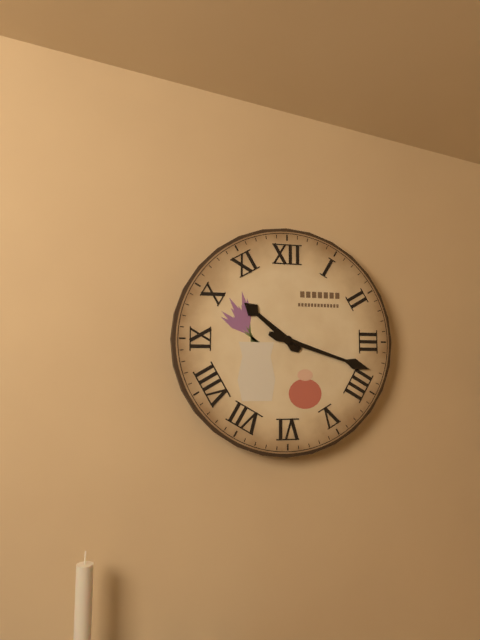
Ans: 10:18
